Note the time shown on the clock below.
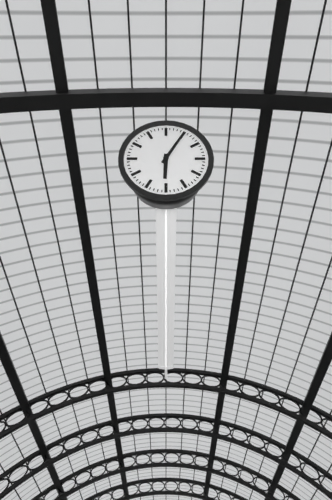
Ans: 6:05
